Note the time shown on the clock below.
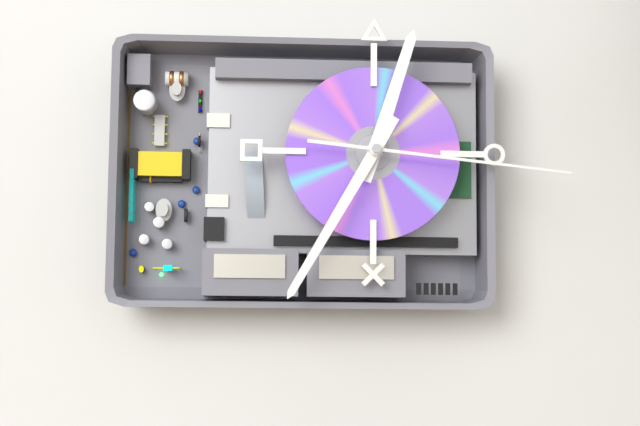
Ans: 12:35:16
